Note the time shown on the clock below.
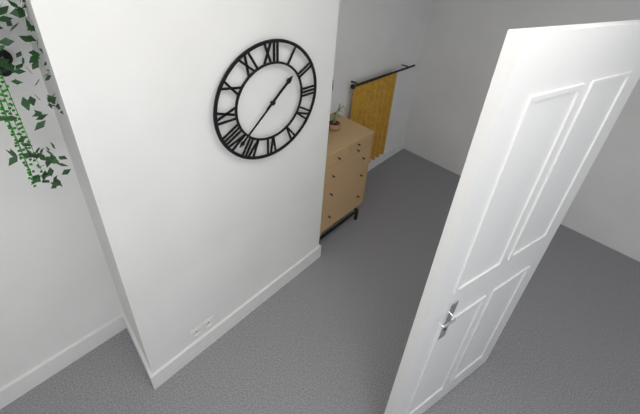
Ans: 1:38
